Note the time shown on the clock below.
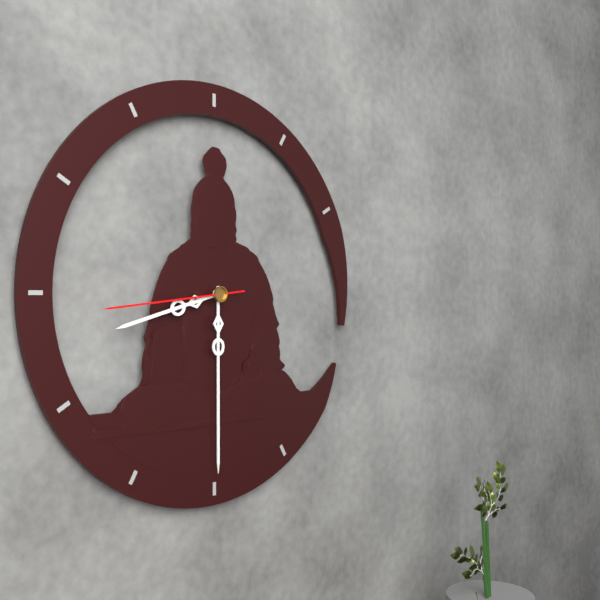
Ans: 8:30:44
